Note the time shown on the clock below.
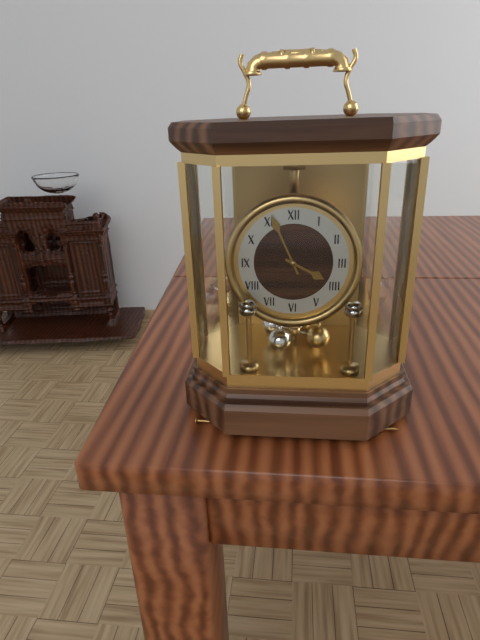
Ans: 3:56
